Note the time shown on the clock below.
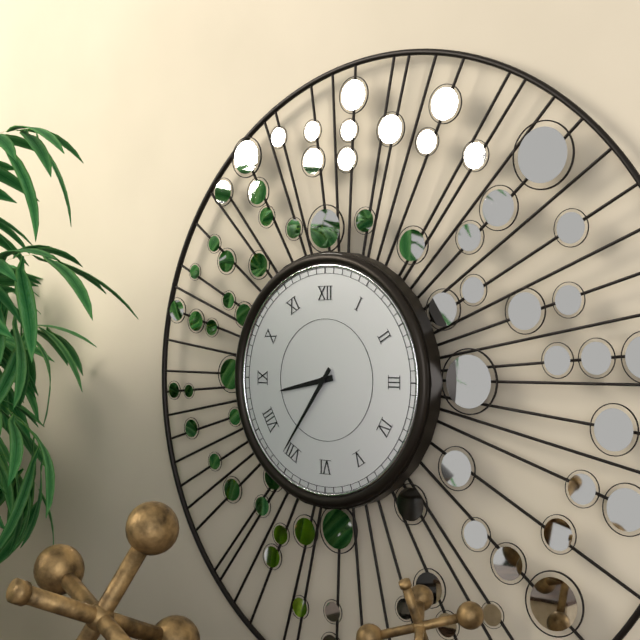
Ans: 8:36
